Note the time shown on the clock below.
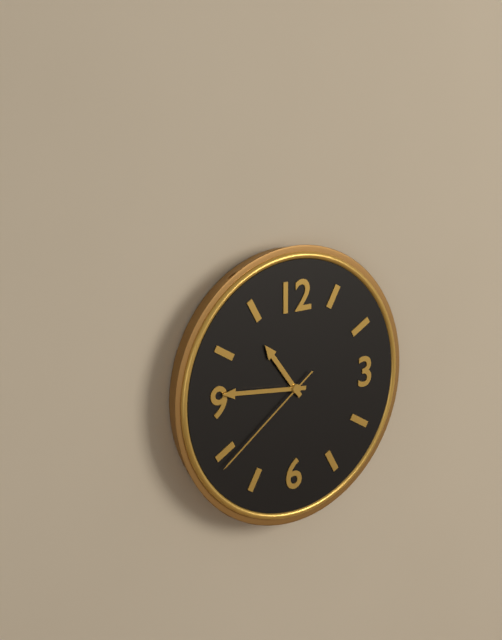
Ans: 10:46:39
